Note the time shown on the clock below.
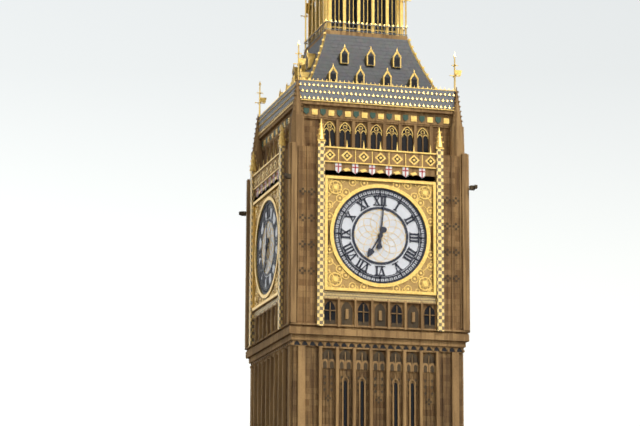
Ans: 7:01
